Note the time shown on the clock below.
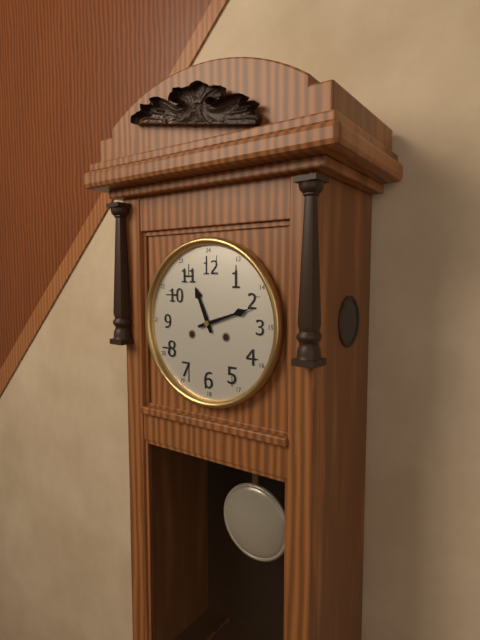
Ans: 11:12
